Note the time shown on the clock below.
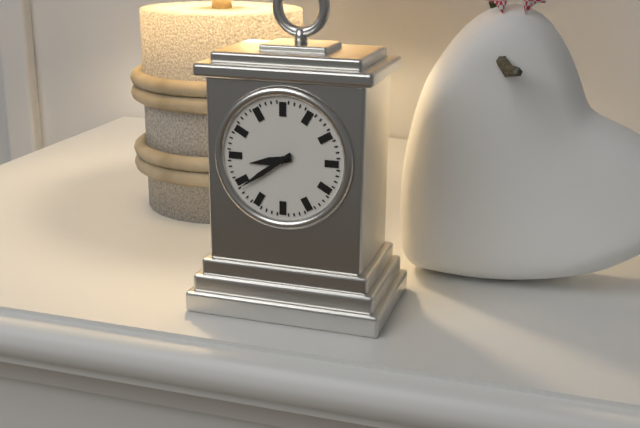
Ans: 8:39
